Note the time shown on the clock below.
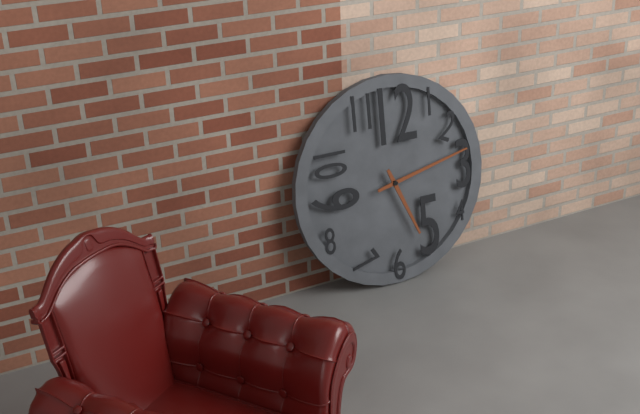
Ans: 5:13
